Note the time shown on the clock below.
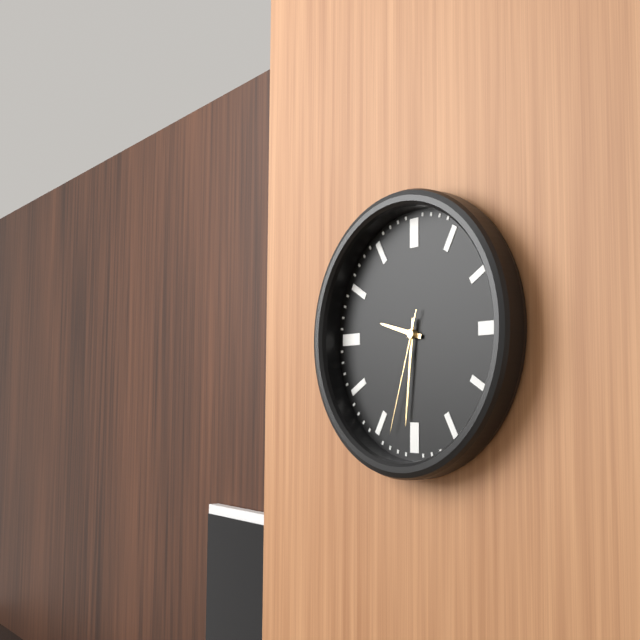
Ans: 9:31:33
